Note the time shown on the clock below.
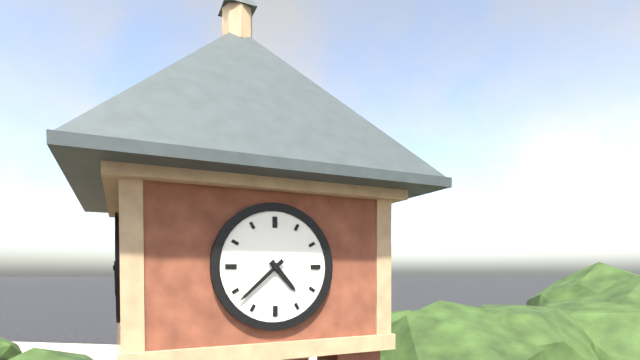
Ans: 4:38
